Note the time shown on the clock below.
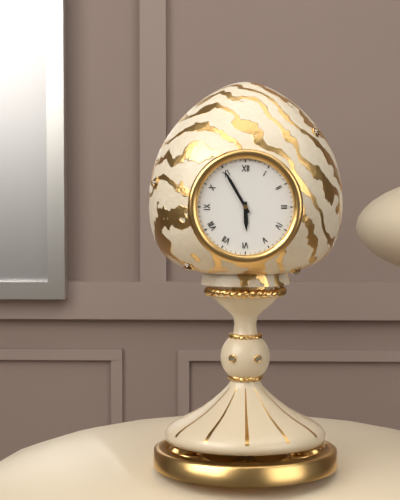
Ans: 5:55
